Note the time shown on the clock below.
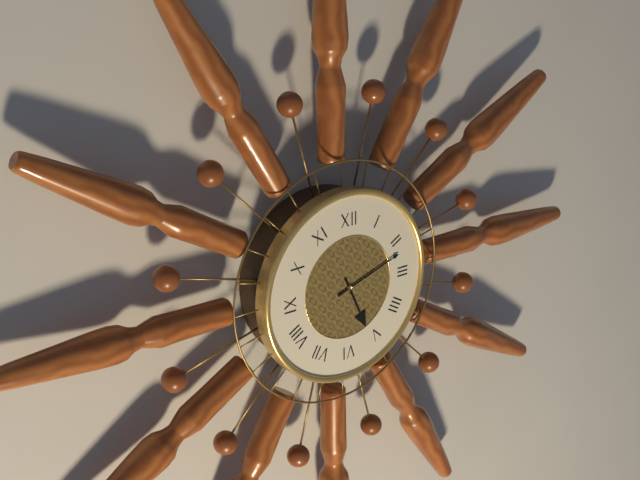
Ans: 5:12
